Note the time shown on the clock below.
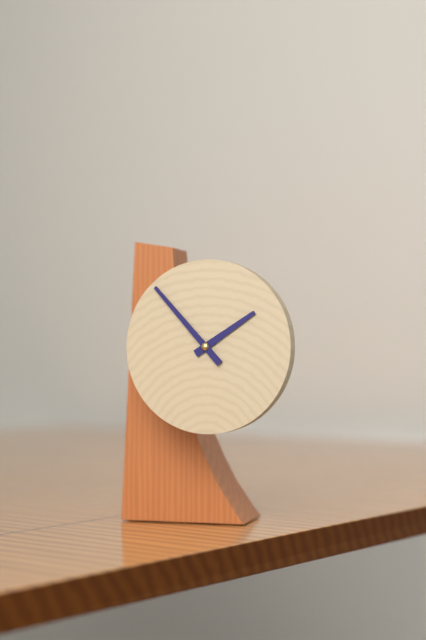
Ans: 1:53
